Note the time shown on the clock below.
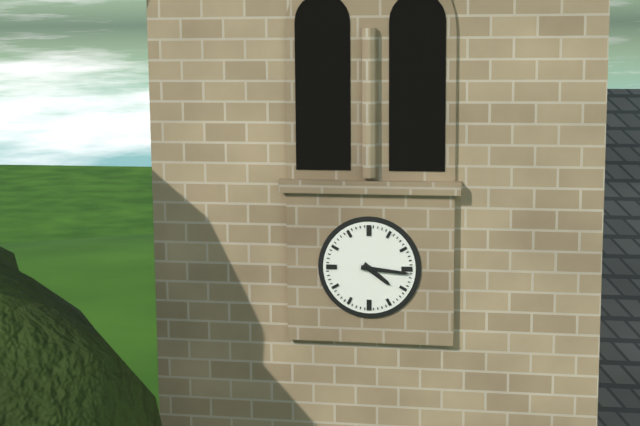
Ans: 4:16
